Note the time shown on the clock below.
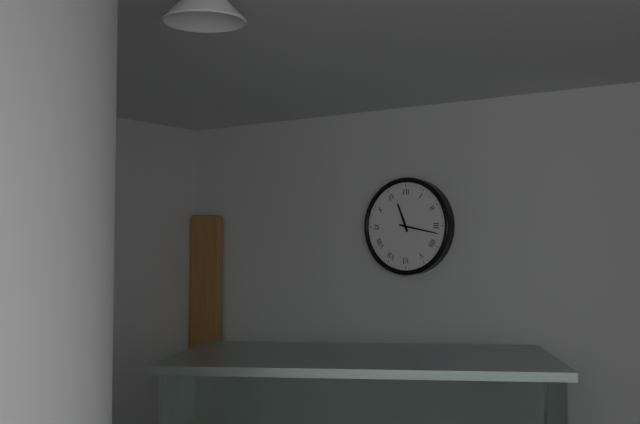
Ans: 11:17
